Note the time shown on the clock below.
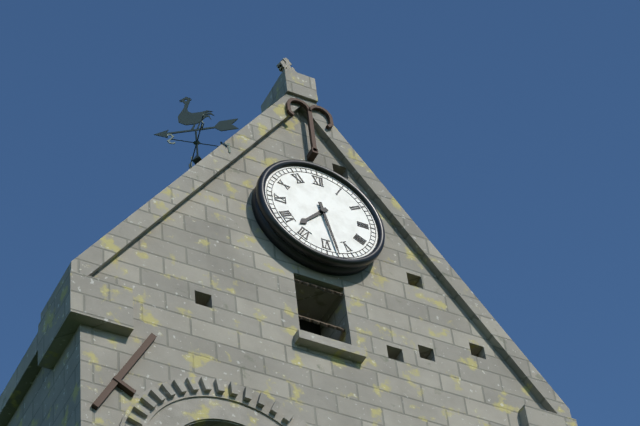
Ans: 7:28
